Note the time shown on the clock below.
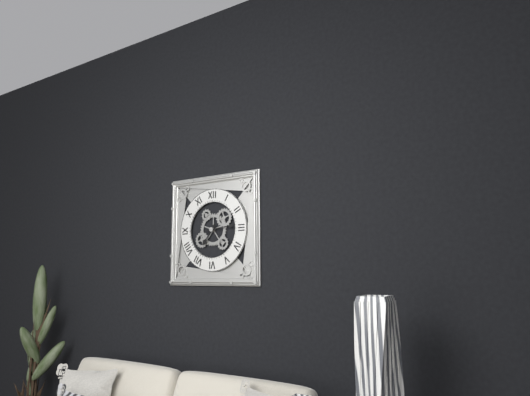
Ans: 7:14
